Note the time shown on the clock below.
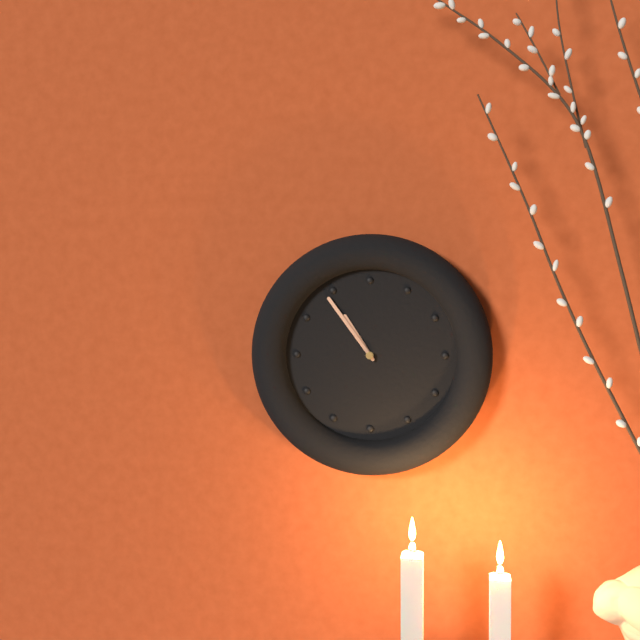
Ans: 10:54
